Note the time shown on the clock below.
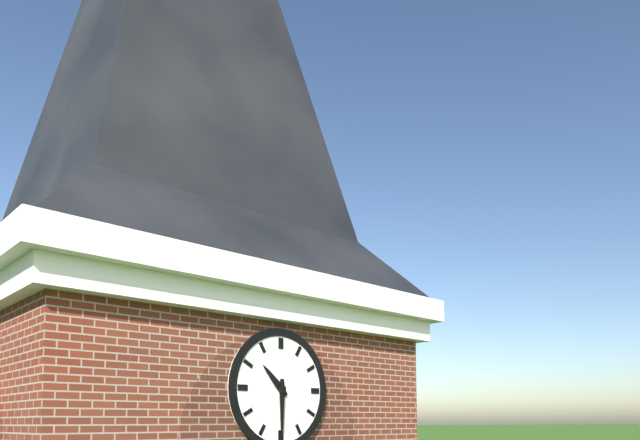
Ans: 10:30
